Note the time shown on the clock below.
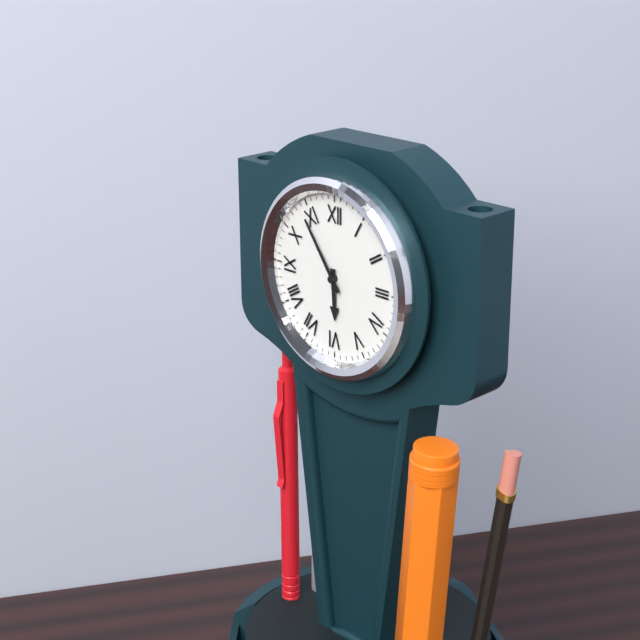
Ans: 5:54
